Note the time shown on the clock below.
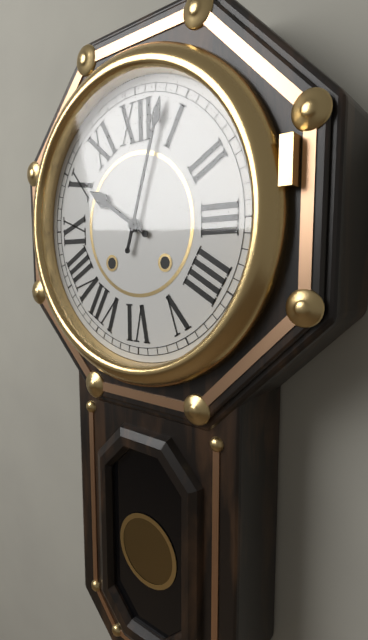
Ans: 10:03
